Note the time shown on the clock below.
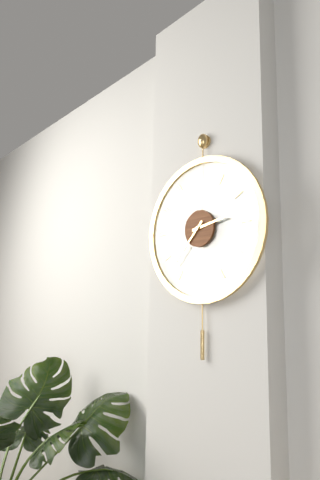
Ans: 2:37
